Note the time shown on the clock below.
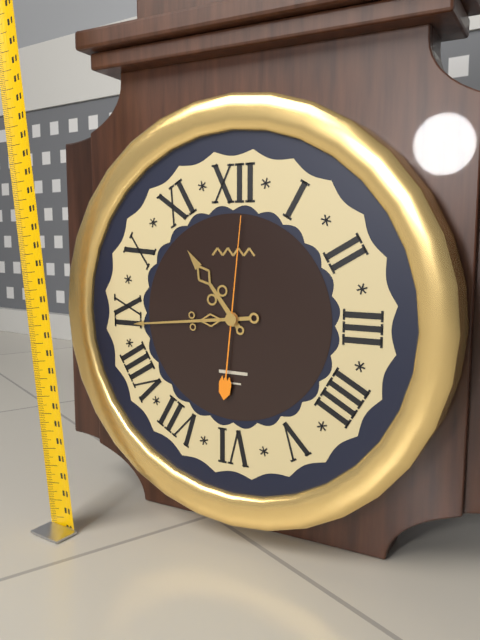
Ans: 10:44:01
